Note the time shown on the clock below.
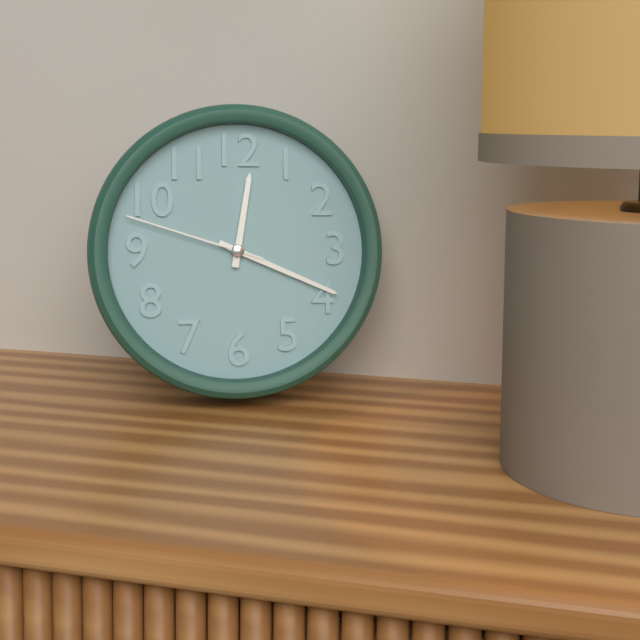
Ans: 12:19:48
